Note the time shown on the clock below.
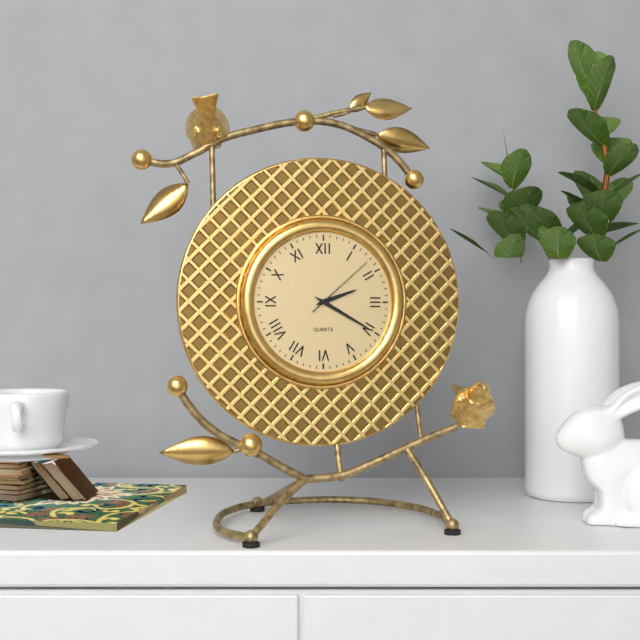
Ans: 2:20:08
